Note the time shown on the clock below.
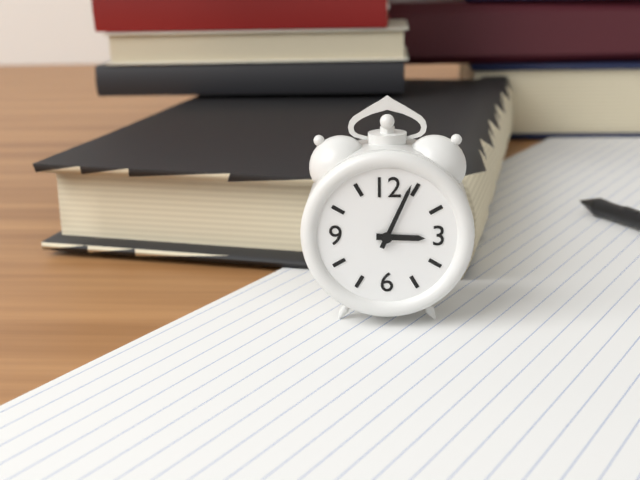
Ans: 3:04
